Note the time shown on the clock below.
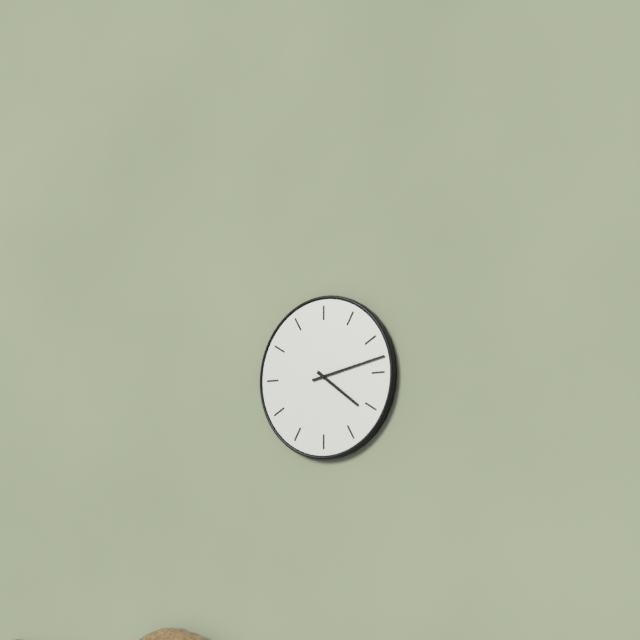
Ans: 4:13
